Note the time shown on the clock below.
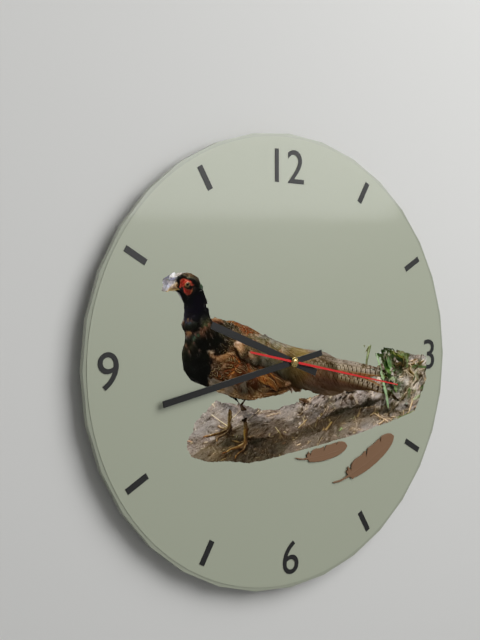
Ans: 9:43:17
